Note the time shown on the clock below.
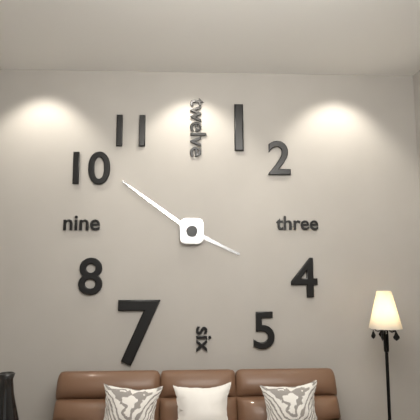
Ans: 3:51
